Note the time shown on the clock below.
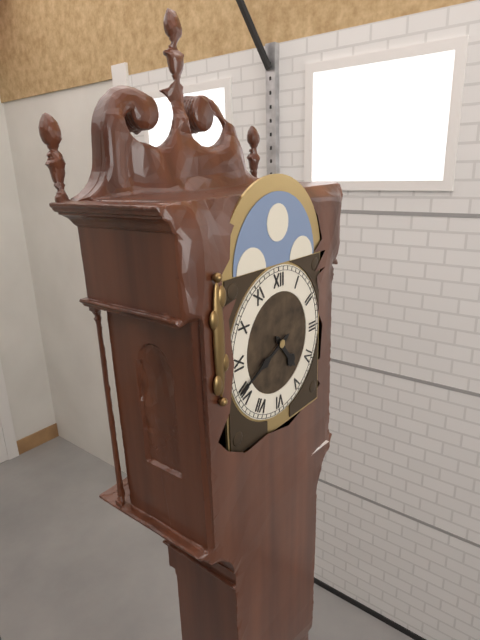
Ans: 4:41
